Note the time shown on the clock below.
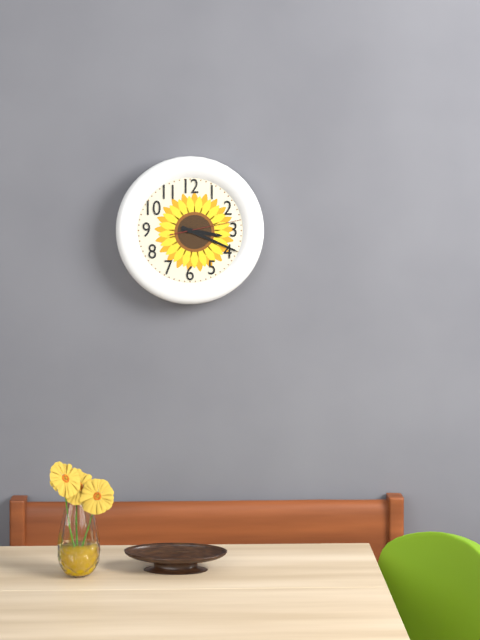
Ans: 3:19:13
